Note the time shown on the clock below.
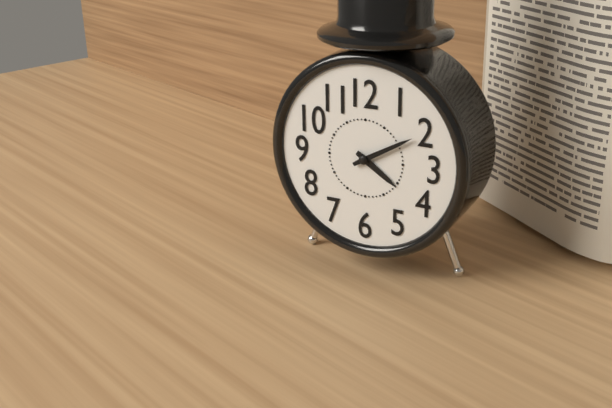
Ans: 4:10
